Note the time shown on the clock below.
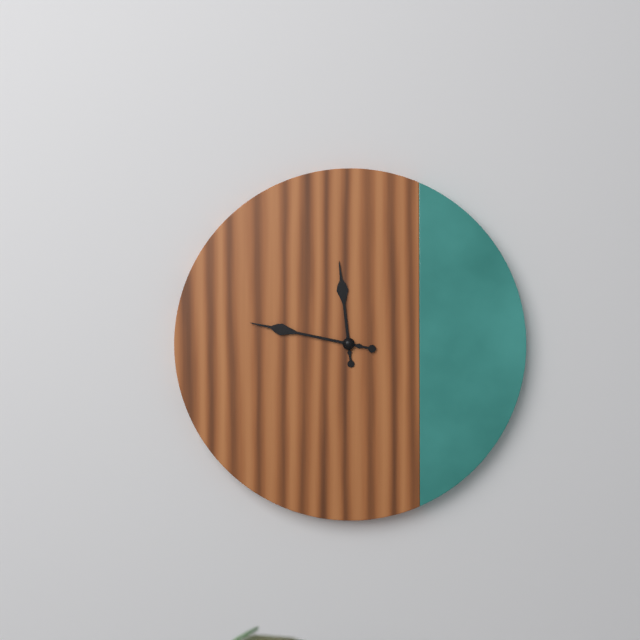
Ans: 11:47
